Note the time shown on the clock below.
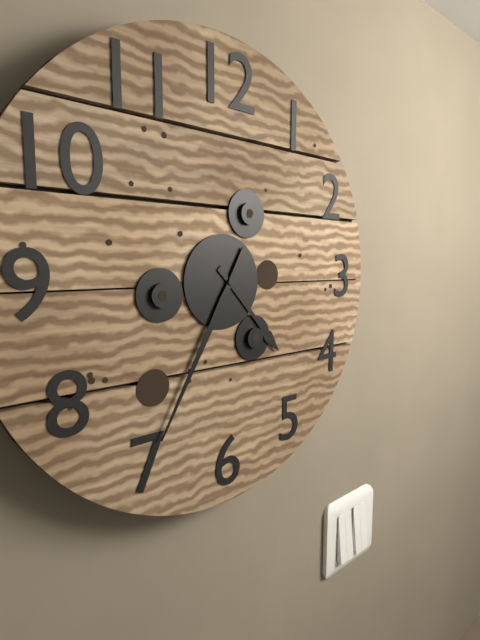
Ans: 4:35
